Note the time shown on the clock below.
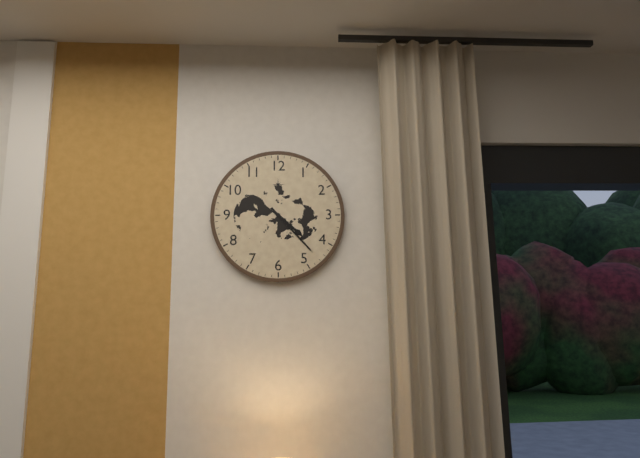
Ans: 4:23
